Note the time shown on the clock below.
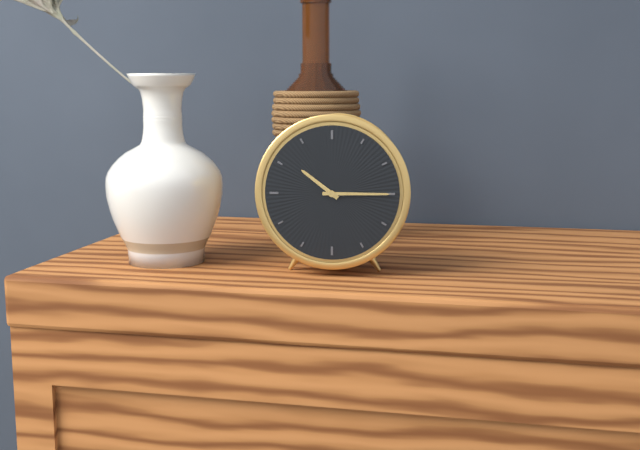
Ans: 10:15
